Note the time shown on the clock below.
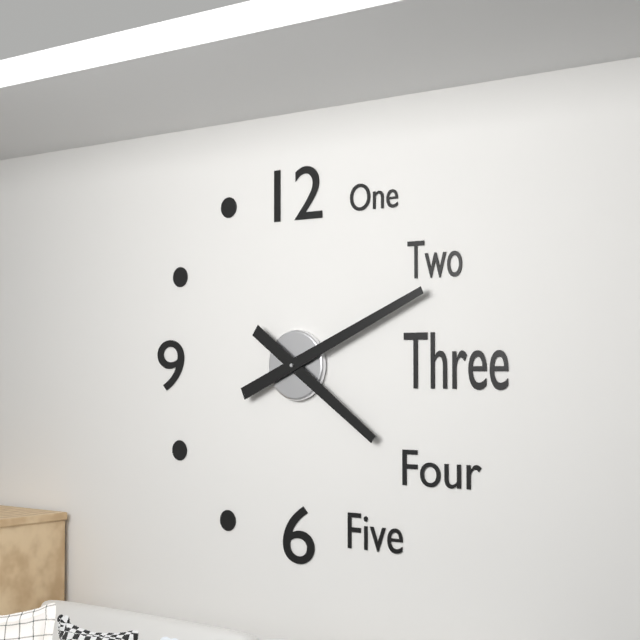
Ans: 4:11
